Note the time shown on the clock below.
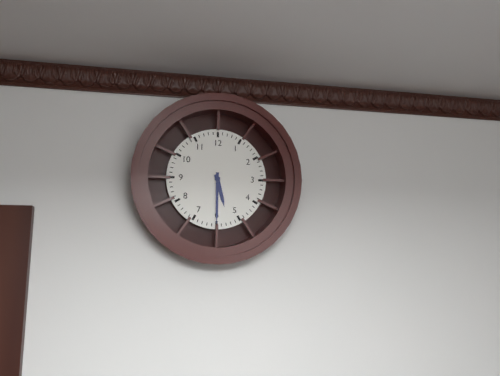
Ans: 5:30
